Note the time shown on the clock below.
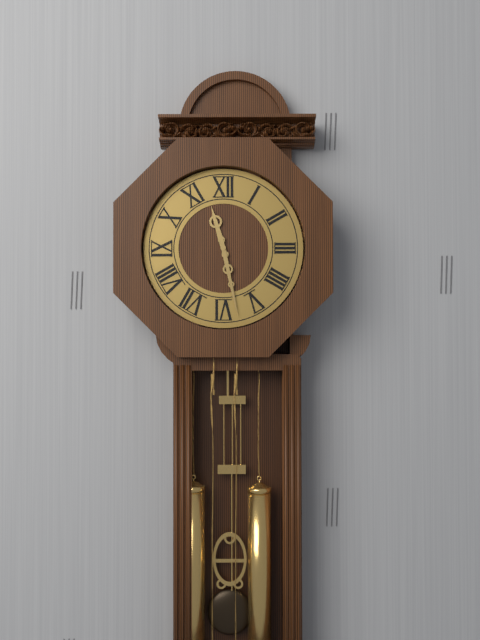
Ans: 11:28
